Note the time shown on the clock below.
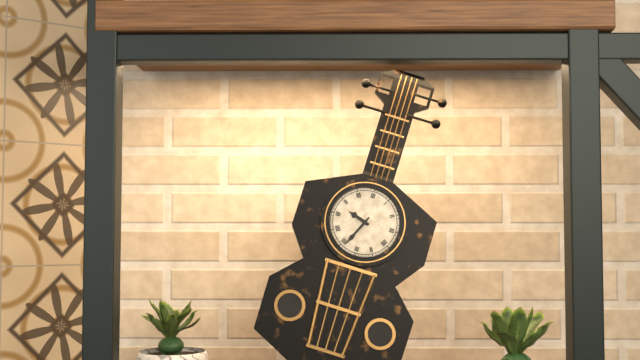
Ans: 9:34
